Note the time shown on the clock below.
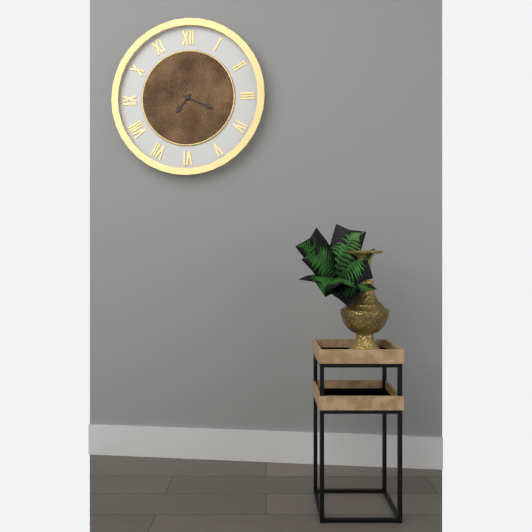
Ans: 7:19
